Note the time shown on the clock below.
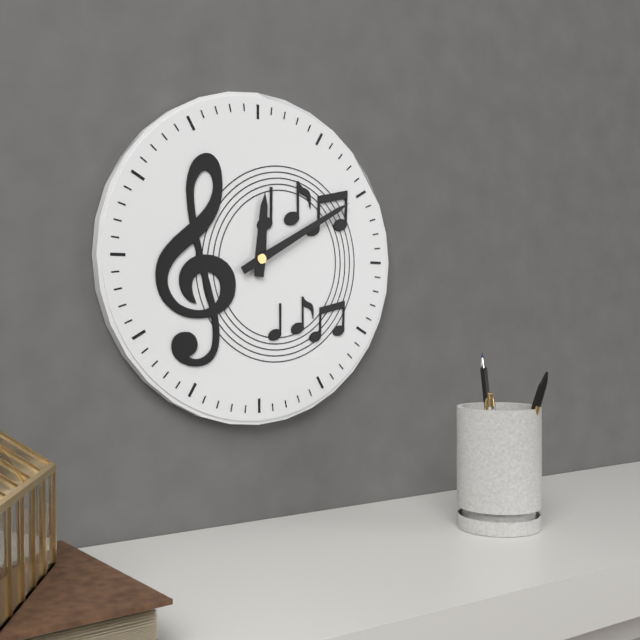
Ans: 12:10
